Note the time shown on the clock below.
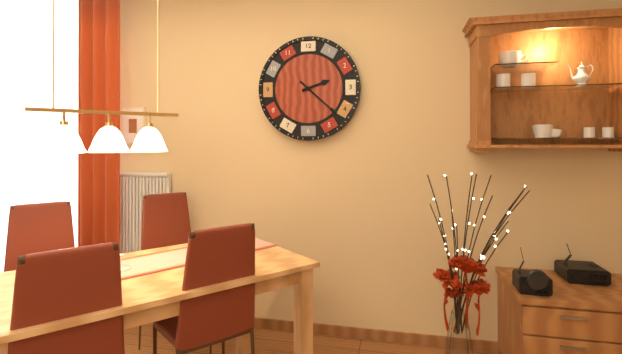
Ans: 2:22
